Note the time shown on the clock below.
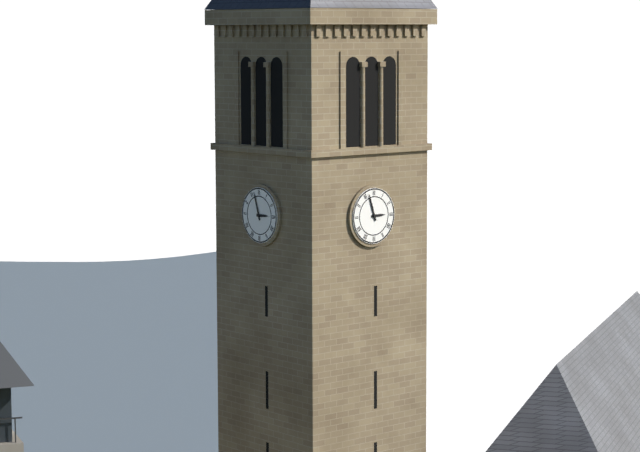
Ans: 2:57
